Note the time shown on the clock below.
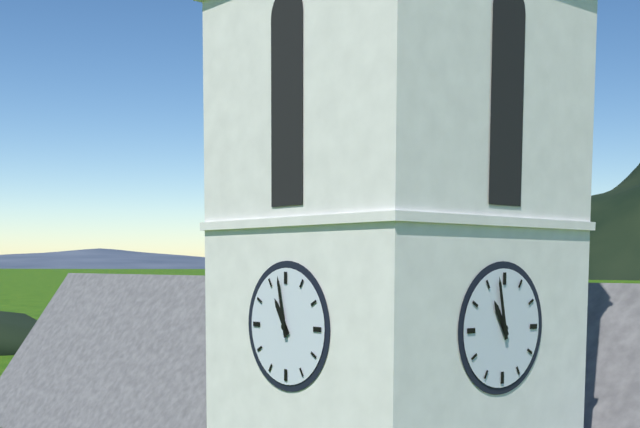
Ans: 10:58
